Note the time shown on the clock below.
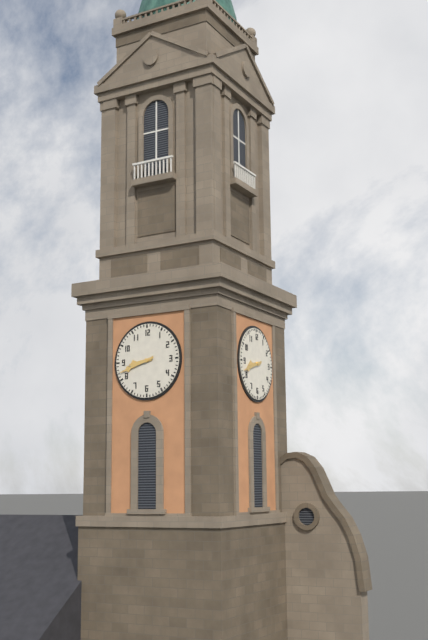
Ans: 8:42
